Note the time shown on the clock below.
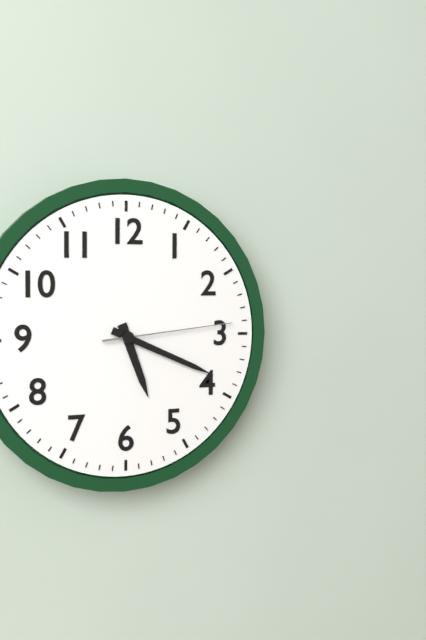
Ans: 5:19:14
